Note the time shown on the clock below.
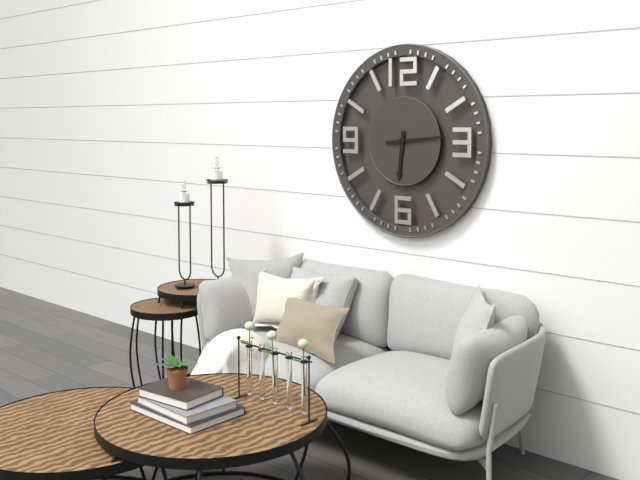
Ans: 6:14
